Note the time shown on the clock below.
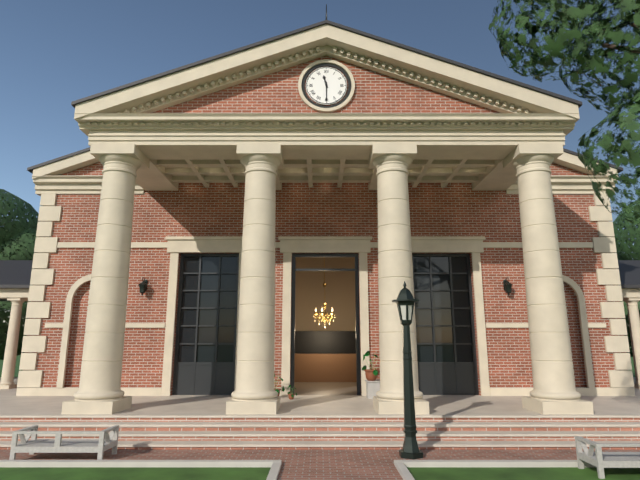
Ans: 11:30
